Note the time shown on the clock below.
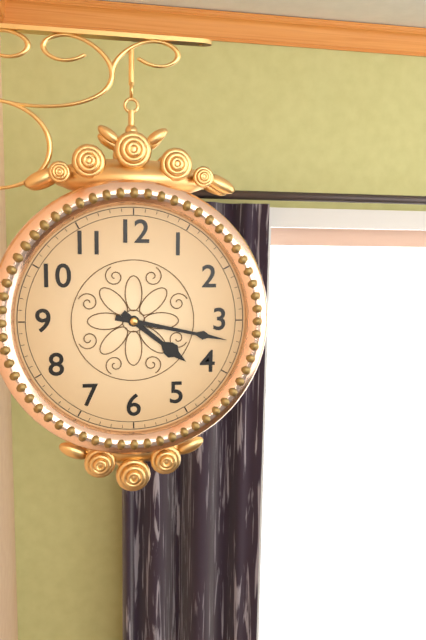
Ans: 4:17
